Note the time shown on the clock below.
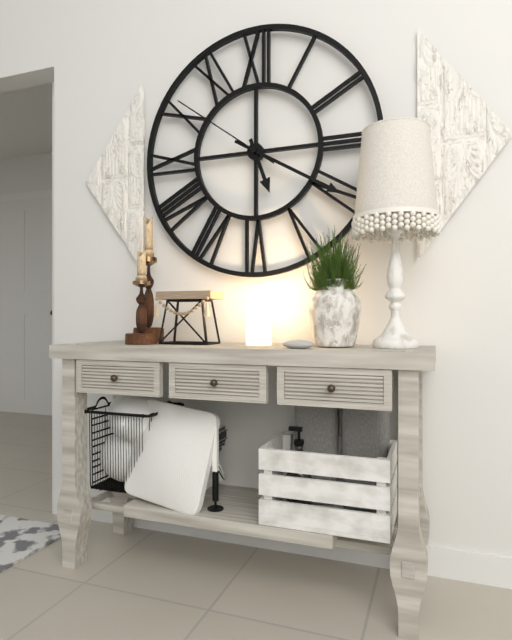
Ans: 5:20:51
